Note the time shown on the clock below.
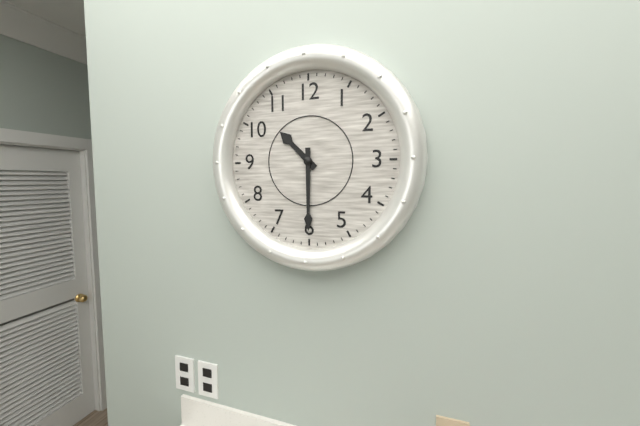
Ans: 10:30
